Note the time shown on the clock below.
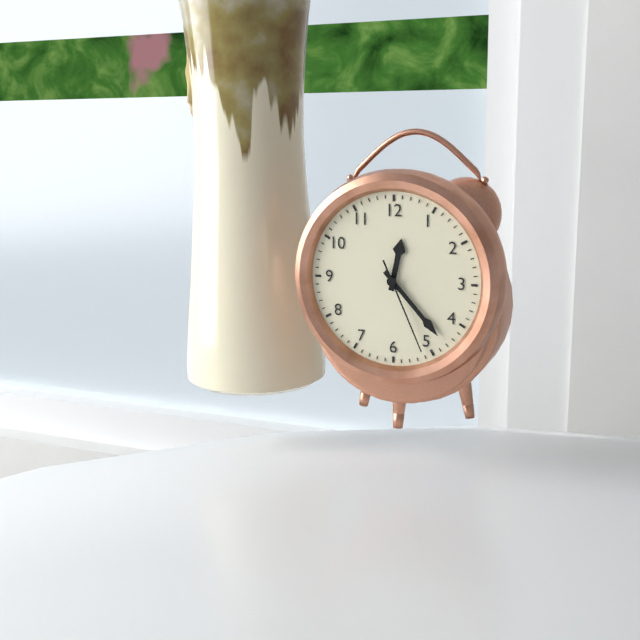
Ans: 12:23:26
